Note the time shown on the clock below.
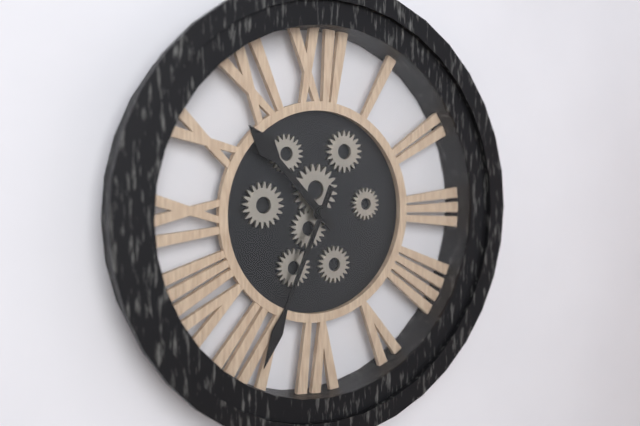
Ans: 10:34
